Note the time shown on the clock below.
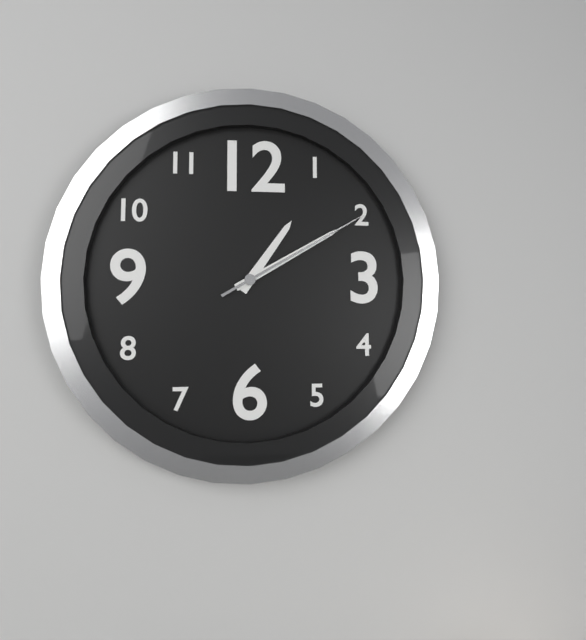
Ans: 1:10:10
